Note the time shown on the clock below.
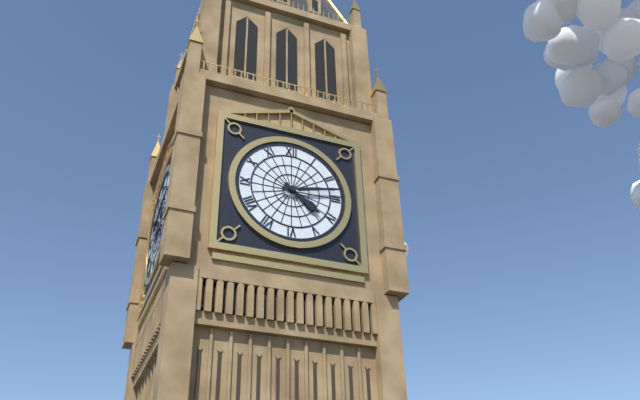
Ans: 4:13
